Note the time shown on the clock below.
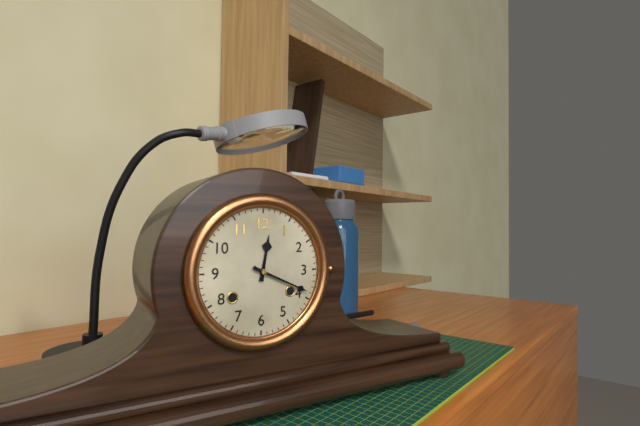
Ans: 12:19
